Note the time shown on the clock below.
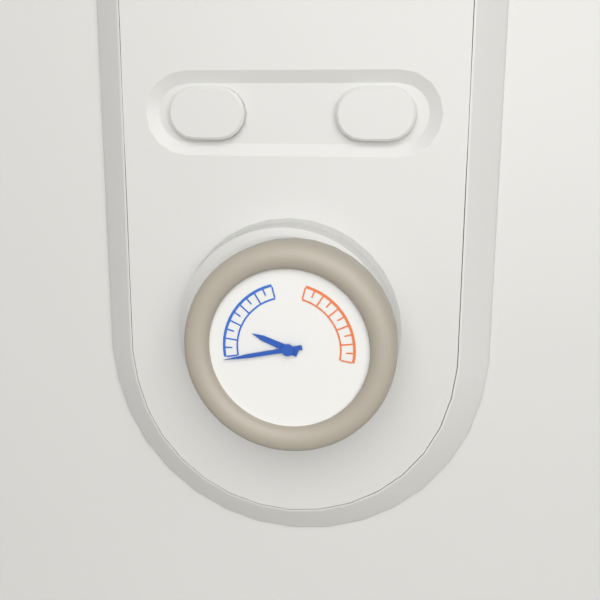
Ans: 9:43
